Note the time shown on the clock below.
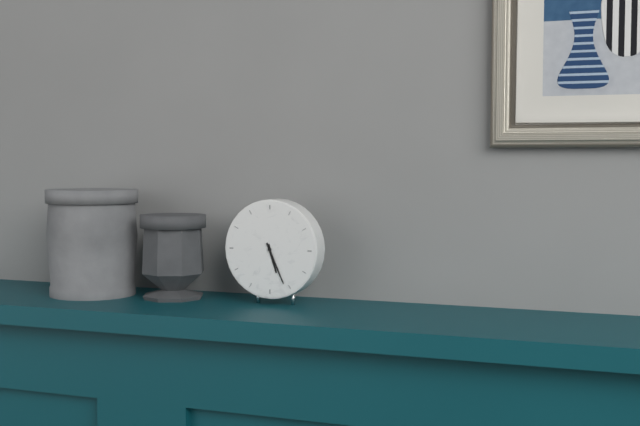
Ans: 5:26
